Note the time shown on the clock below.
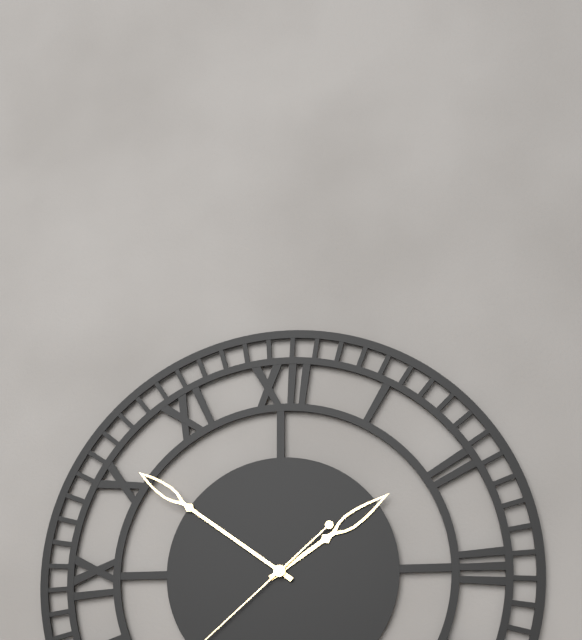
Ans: 1:51
